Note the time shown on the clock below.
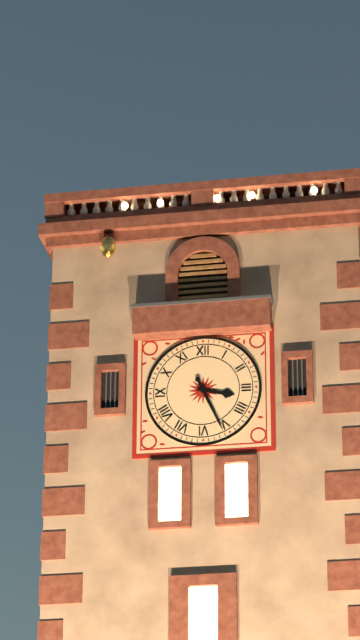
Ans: 3:26
